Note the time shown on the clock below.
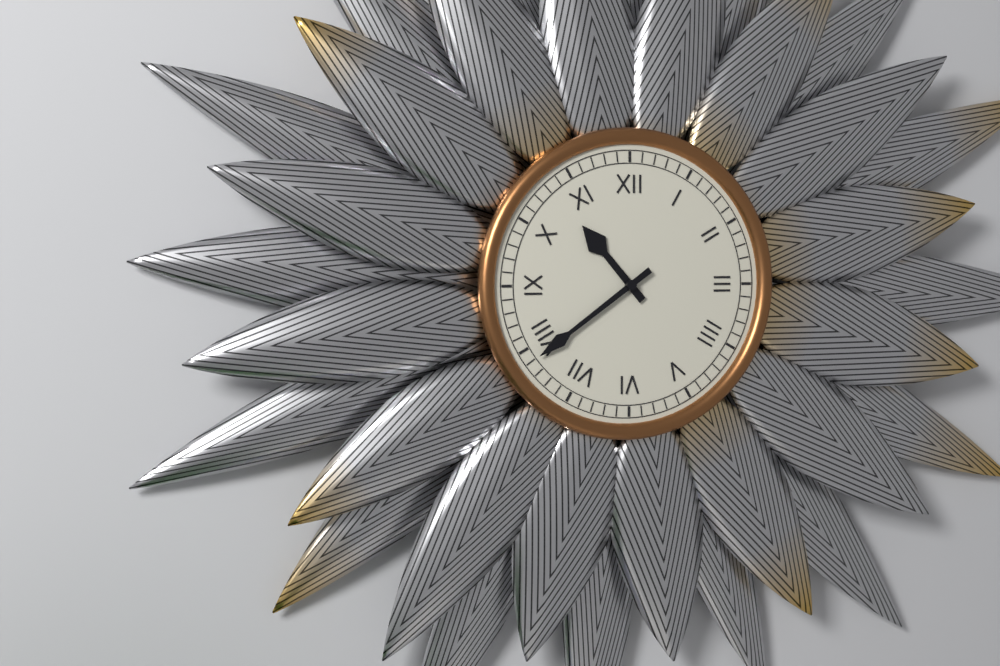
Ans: 10:39
